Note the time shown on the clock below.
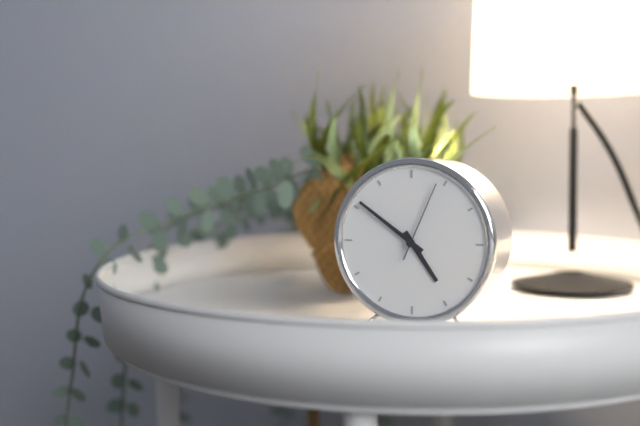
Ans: 4:51:04
